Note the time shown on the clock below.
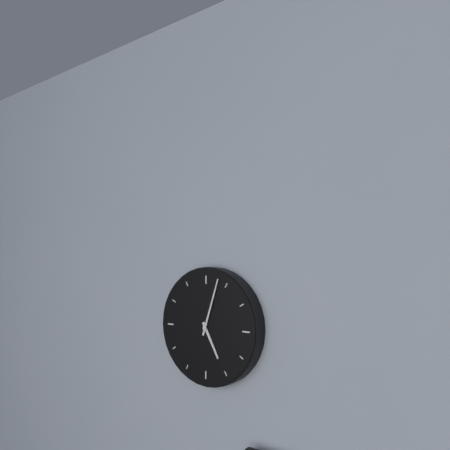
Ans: 5:03
